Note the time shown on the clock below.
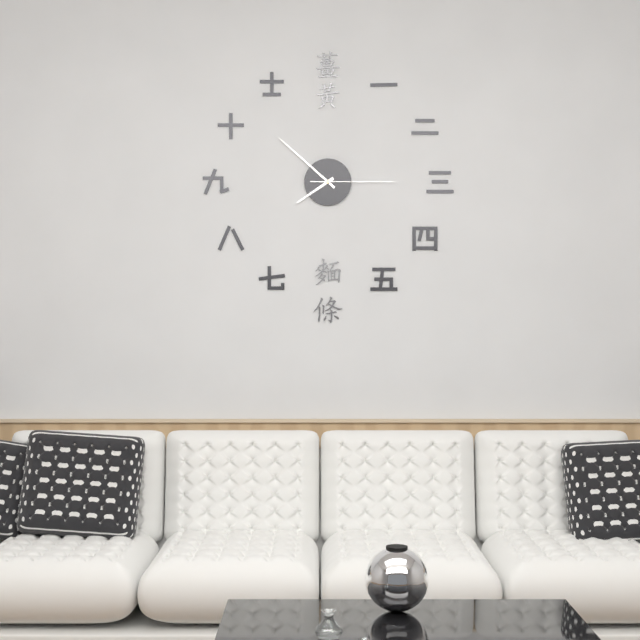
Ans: 7:52:15
